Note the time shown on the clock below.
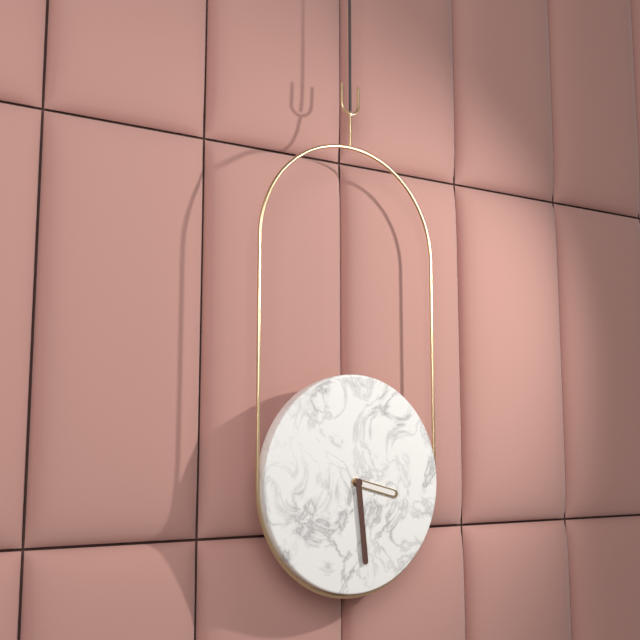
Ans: 3:29
